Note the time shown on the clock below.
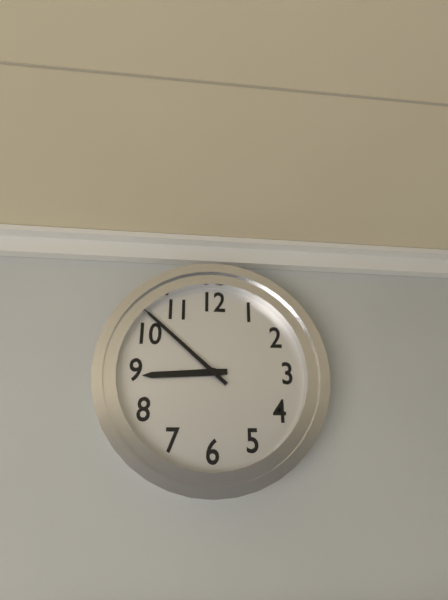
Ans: 8:52
